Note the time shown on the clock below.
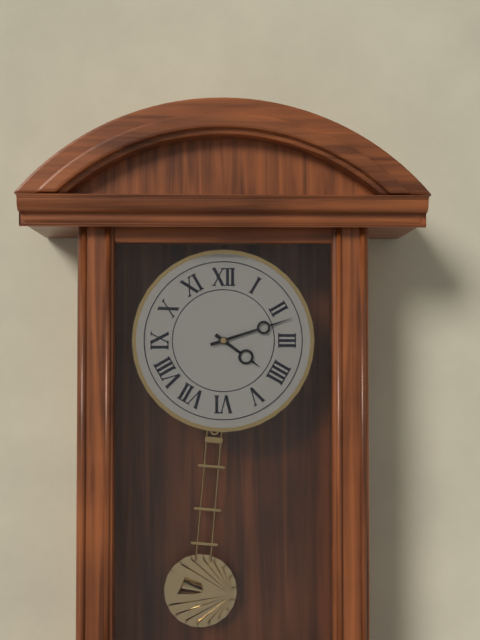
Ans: 4:12
